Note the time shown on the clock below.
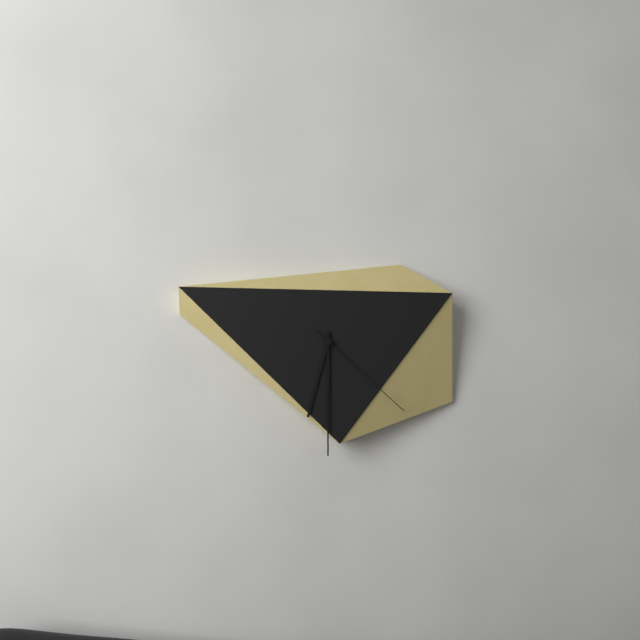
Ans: 6:30:22
